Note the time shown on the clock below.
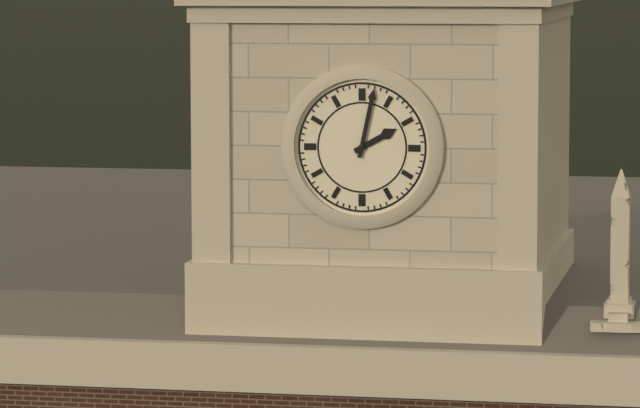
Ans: 2:02
